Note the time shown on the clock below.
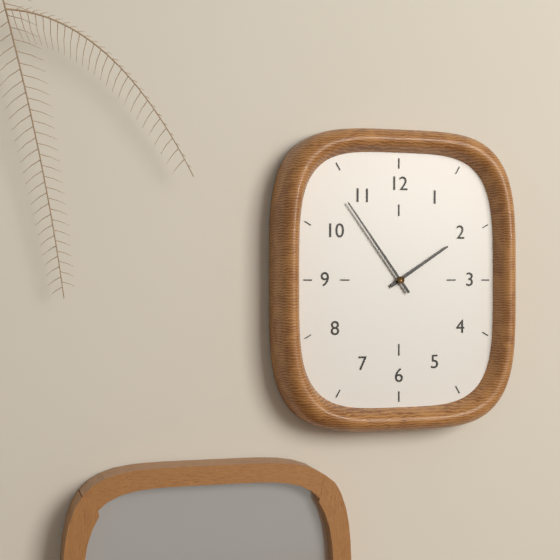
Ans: 1:54
